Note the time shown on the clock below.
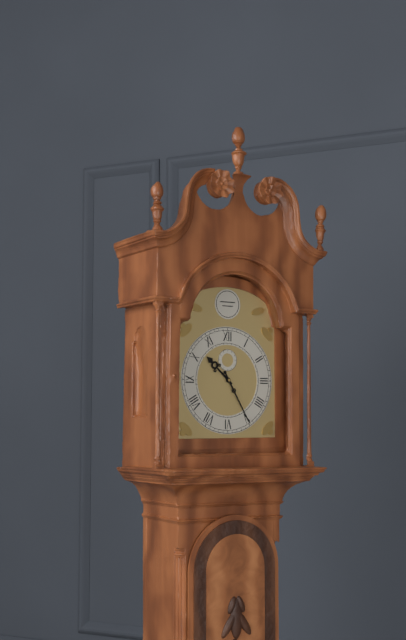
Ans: 10:25
